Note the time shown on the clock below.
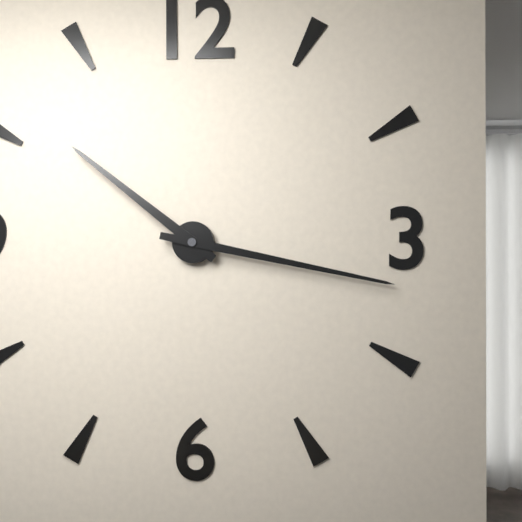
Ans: 10:17
